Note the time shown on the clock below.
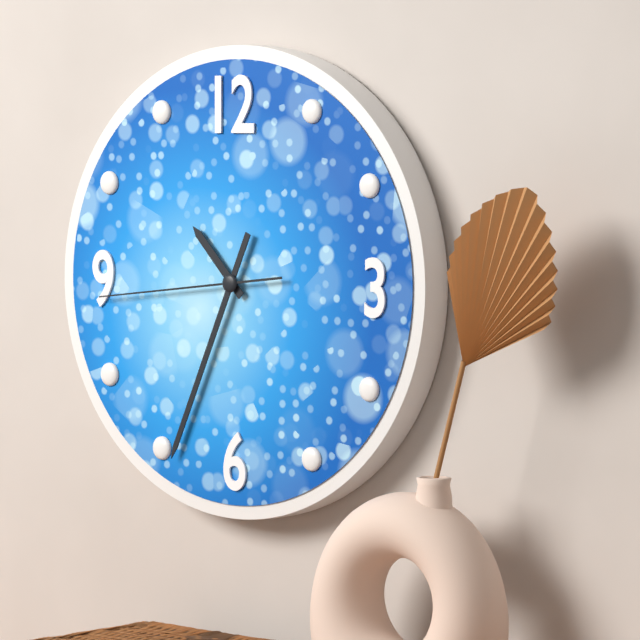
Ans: 10:34:44
